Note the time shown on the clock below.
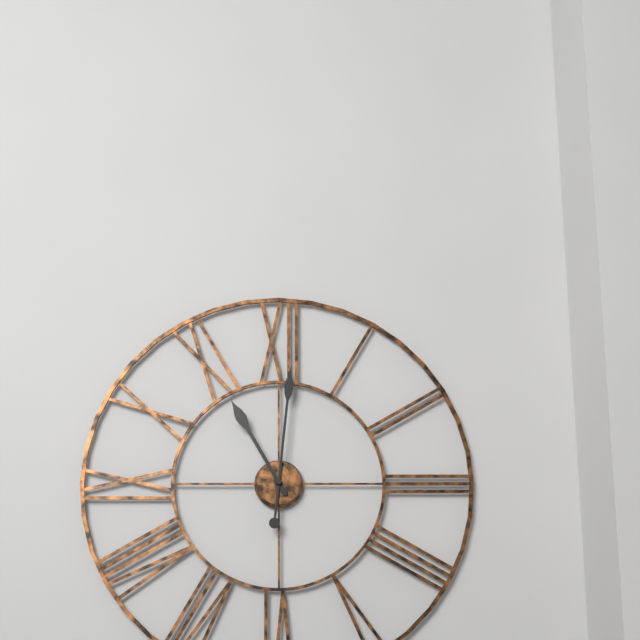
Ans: 11:01
